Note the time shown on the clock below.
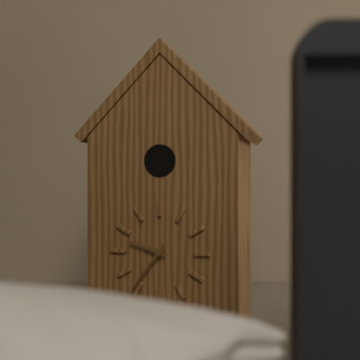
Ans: 9:36
